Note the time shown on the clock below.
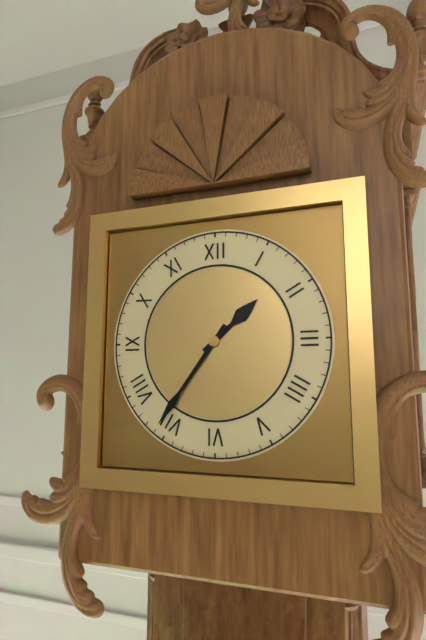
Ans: 1:36
